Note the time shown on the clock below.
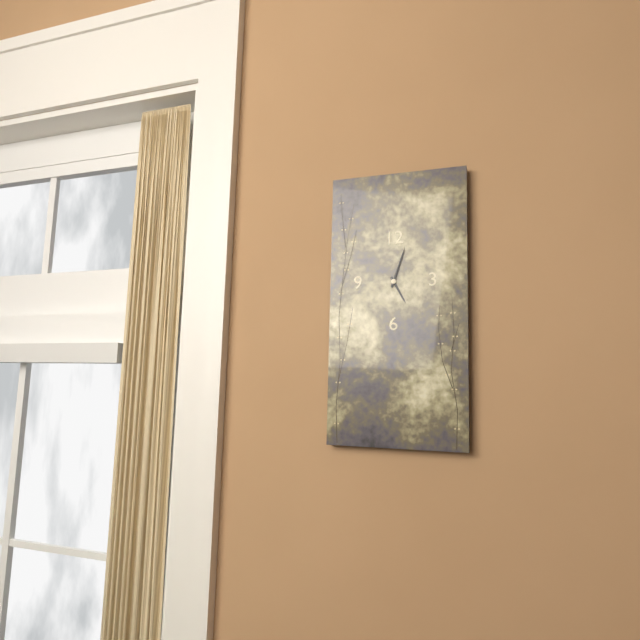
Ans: 5:03
